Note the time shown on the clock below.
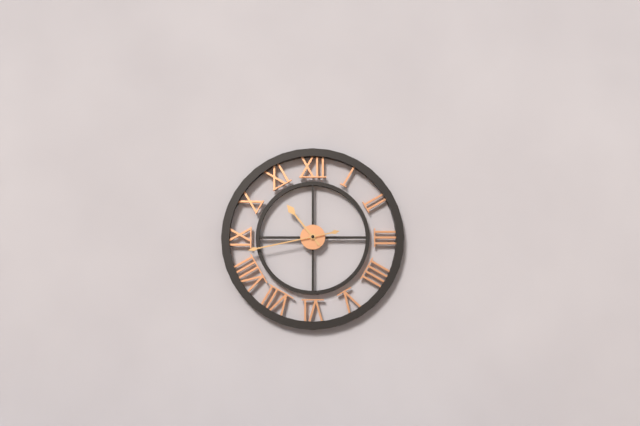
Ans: 10:43
